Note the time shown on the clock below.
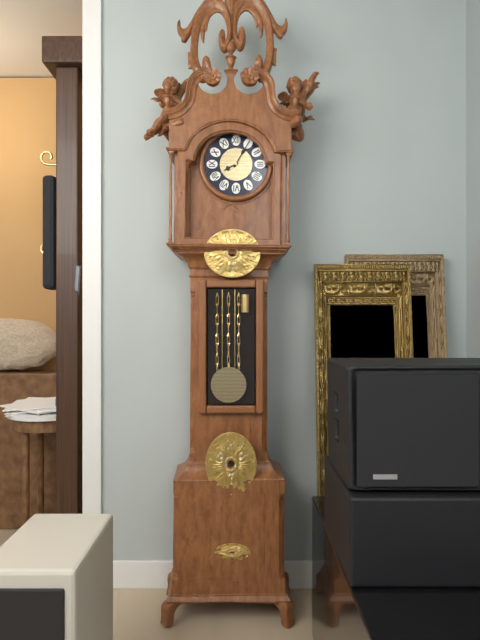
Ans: 8:05
